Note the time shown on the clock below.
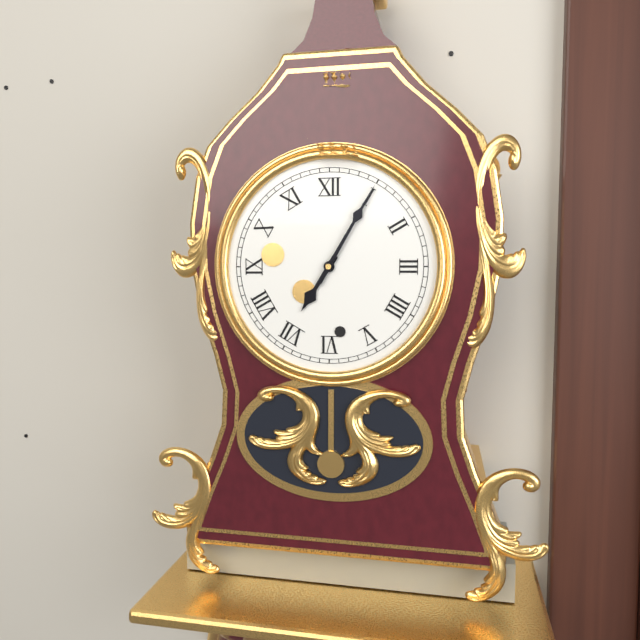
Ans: 7:05
